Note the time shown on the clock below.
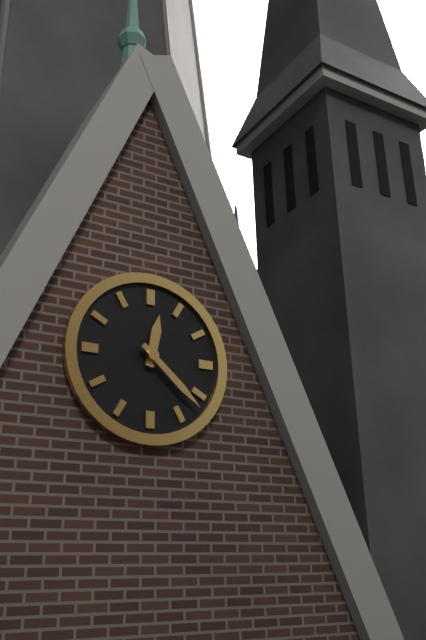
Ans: 12:22
